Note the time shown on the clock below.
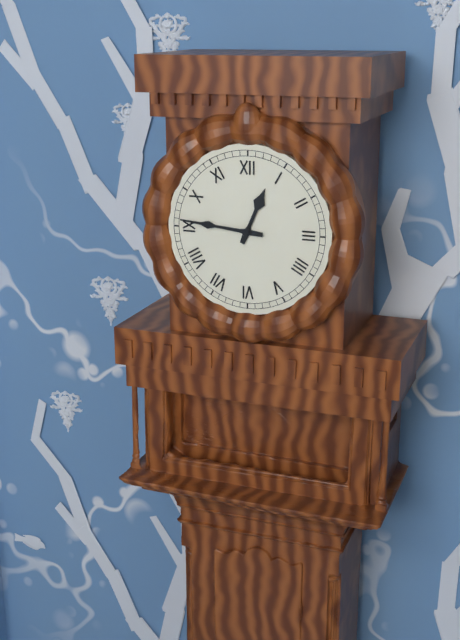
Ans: 12:46
